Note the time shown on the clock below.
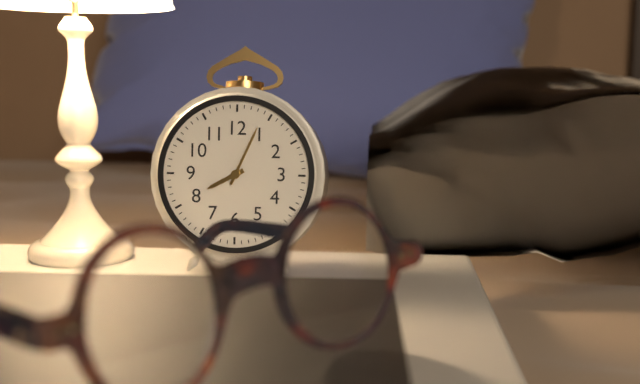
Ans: 8:04
